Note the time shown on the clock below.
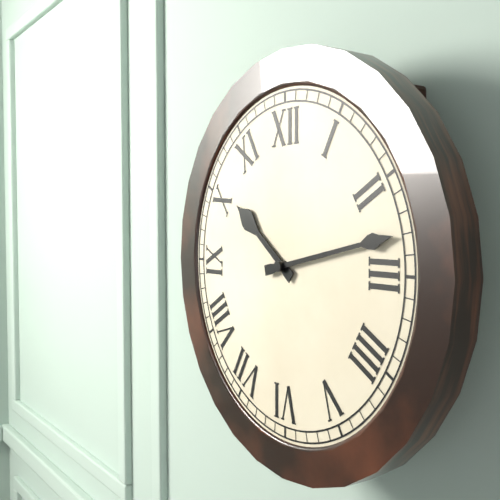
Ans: 10:13
